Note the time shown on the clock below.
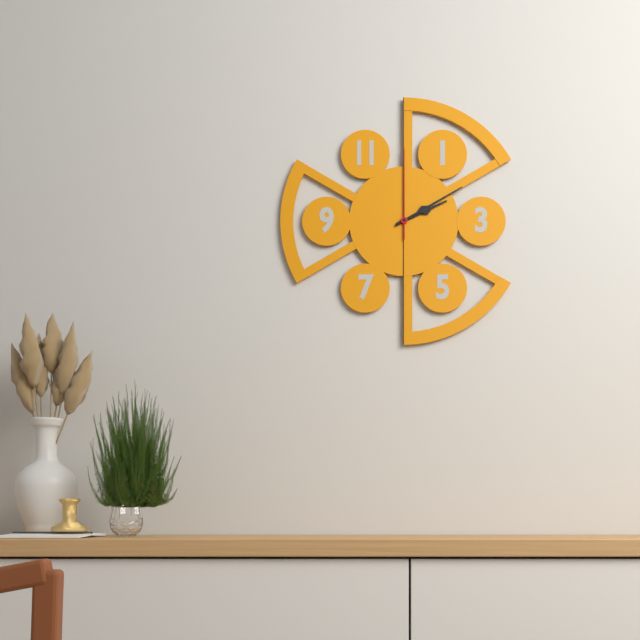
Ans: 2:10:00
